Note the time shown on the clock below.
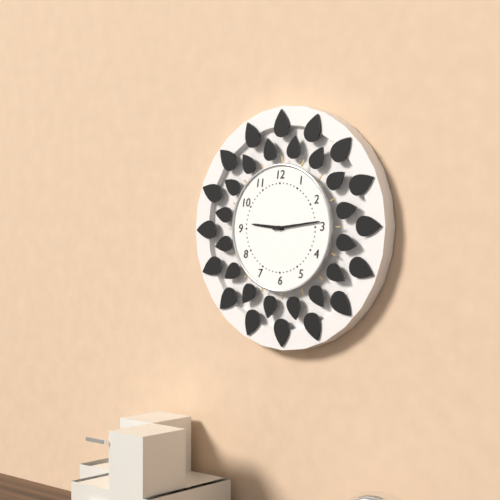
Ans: 9:14
